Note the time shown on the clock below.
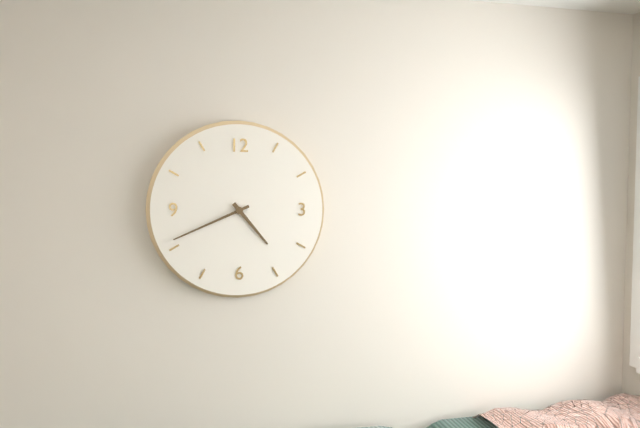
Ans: 4:41
